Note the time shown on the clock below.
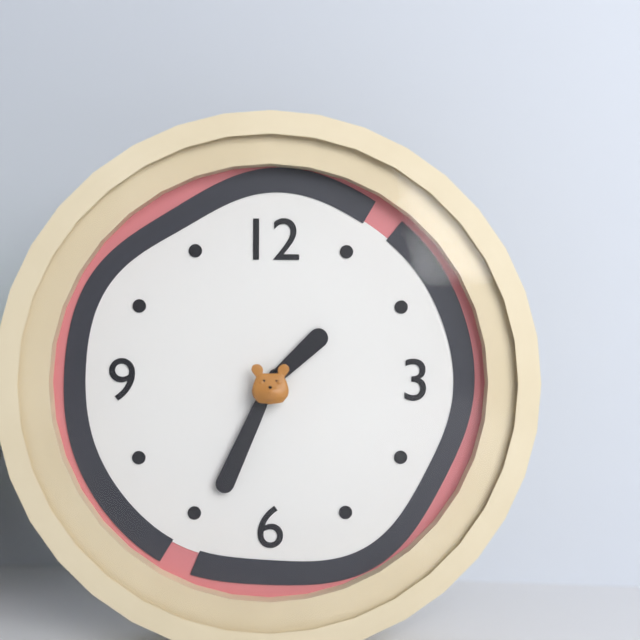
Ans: 1:34
